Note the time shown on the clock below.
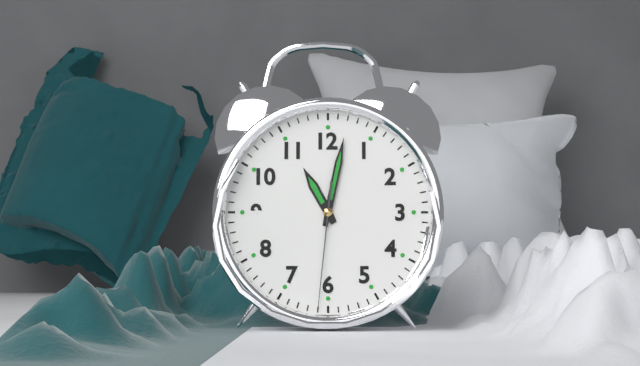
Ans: 11:02:31
